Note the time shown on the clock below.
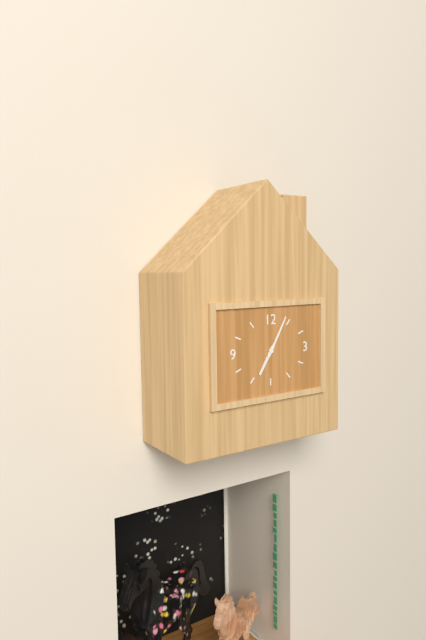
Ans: 7:05
